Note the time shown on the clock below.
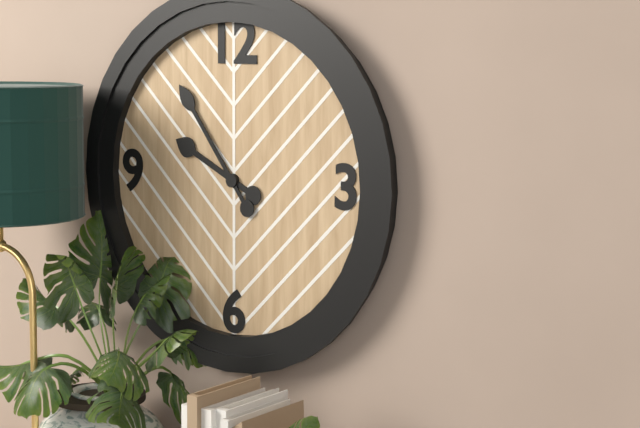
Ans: 9:54
